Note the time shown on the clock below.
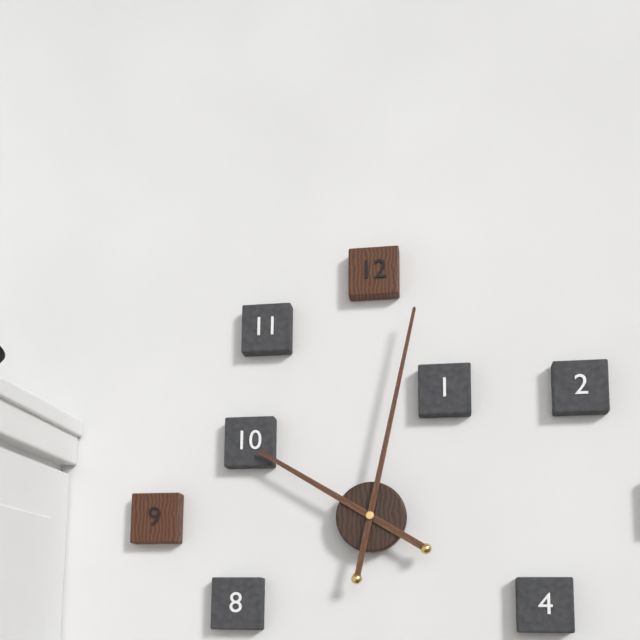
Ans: 10:02
